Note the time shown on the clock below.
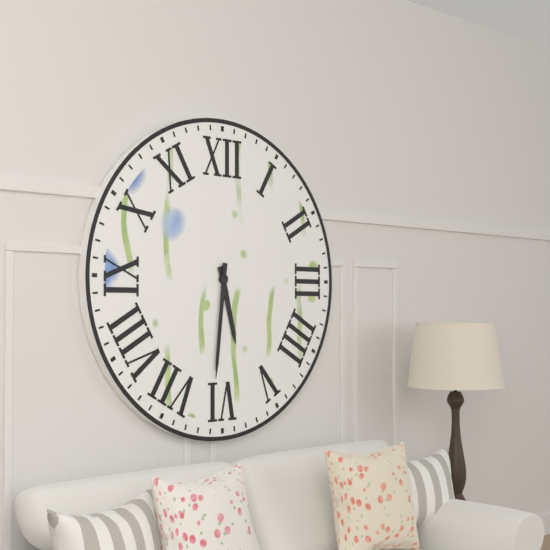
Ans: 5:31
